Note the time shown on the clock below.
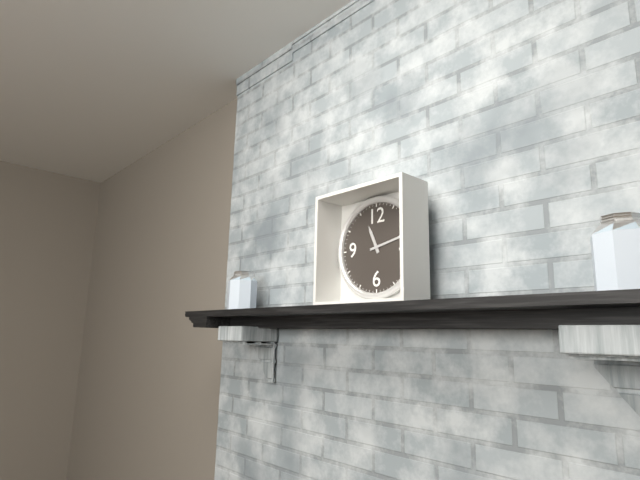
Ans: 11:13
